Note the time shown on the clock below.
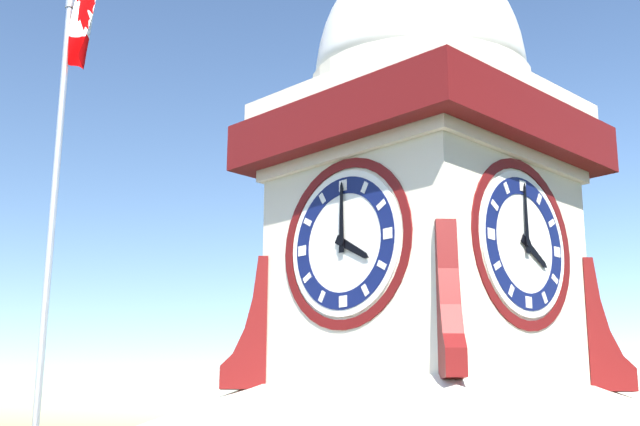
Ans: 4:00
